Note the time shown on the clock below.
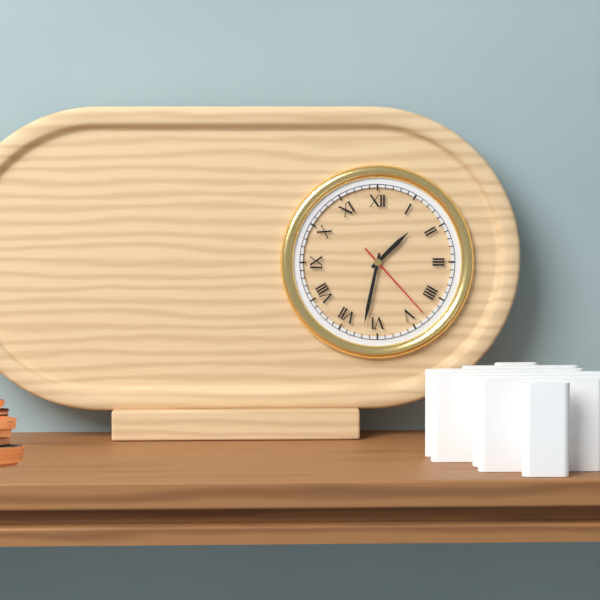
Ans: 1:32:23
